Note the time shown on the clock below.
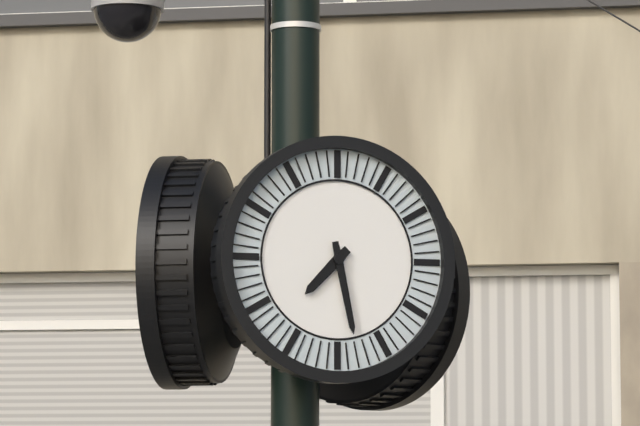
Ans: 7:28
